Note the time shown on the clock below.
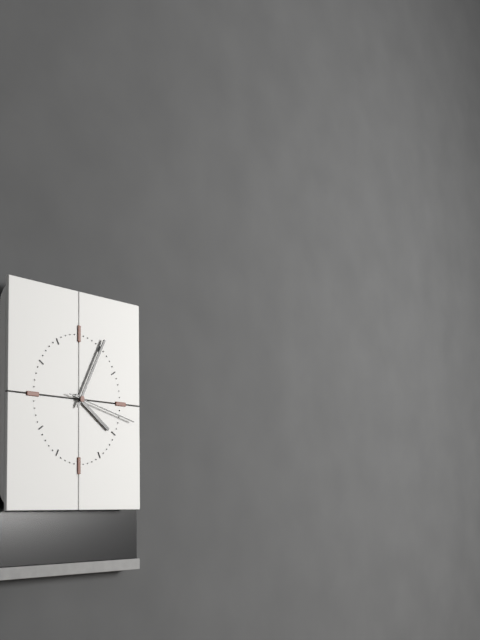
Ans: 4:05:17
